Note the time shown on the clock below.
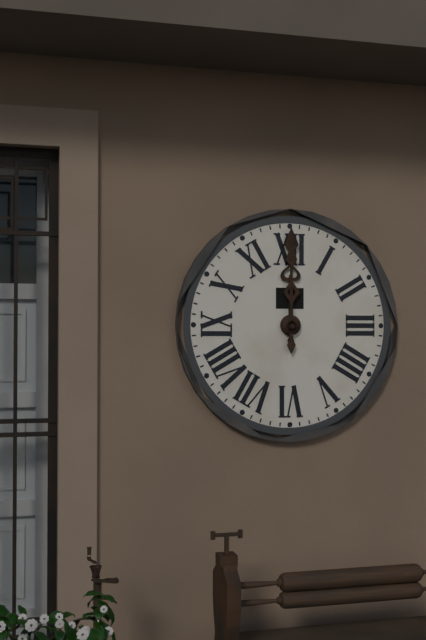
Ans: 12:00
